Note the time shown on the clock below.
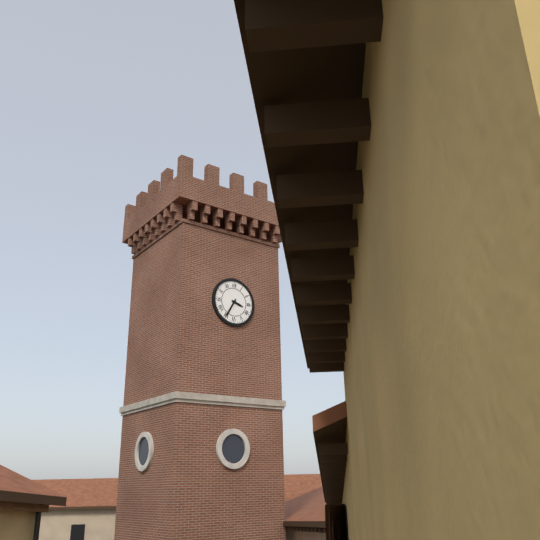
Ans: 3:35
